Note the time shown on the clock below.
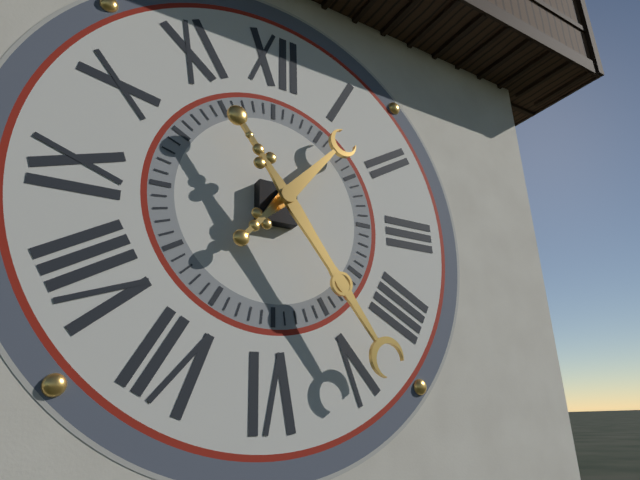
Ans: 1:24
